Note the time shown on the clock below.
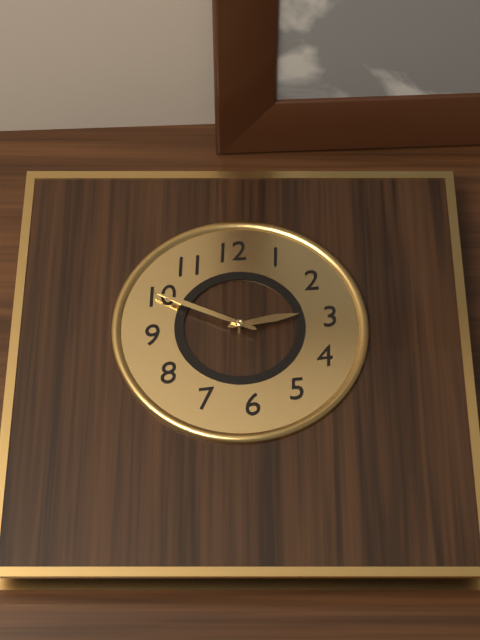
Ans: 2:50
